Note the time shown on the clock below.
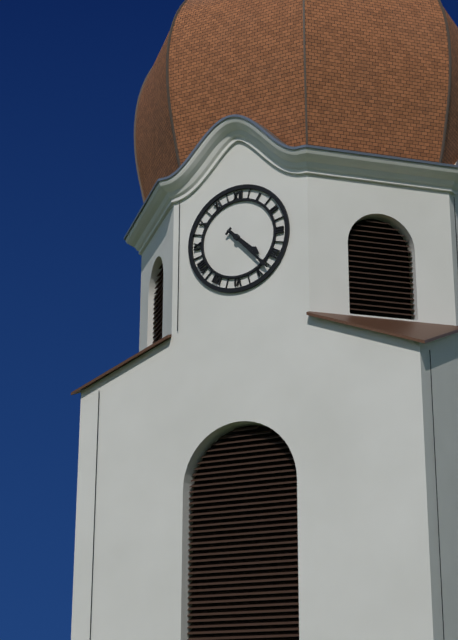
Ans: 4:23
